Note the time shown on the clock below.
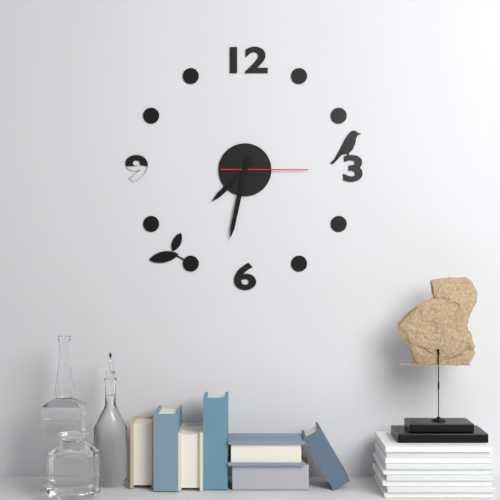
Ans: 7:32:15
